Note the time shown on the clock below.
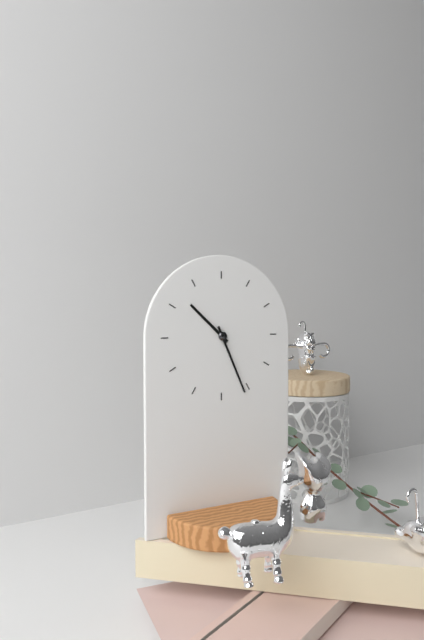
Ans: 10:26
